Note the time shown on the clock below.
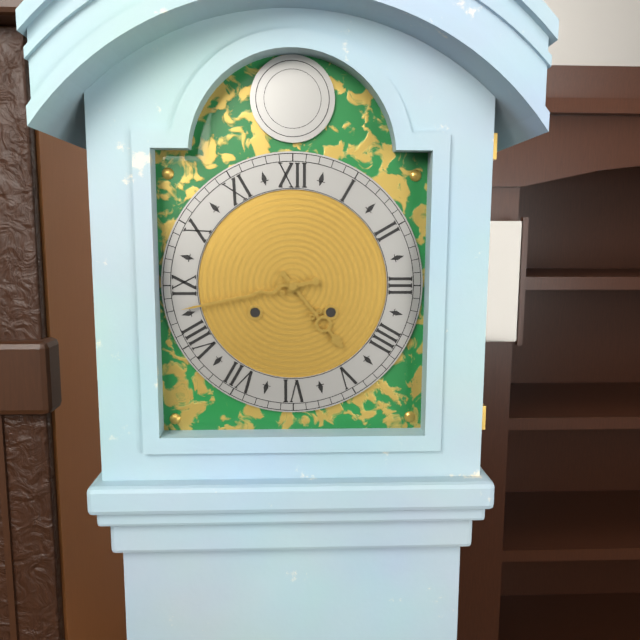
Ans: 4:43
